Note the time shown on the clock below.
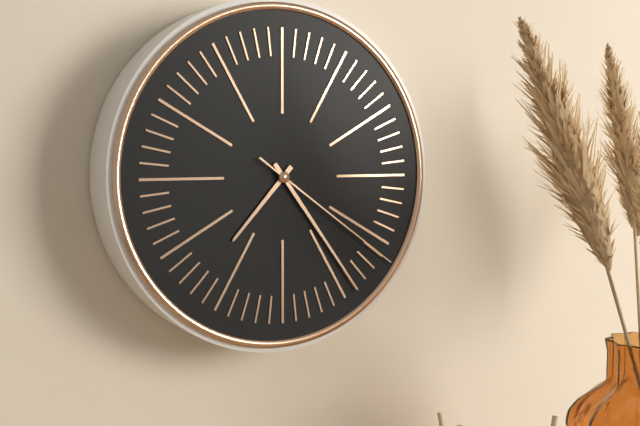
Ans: 7:24:21
